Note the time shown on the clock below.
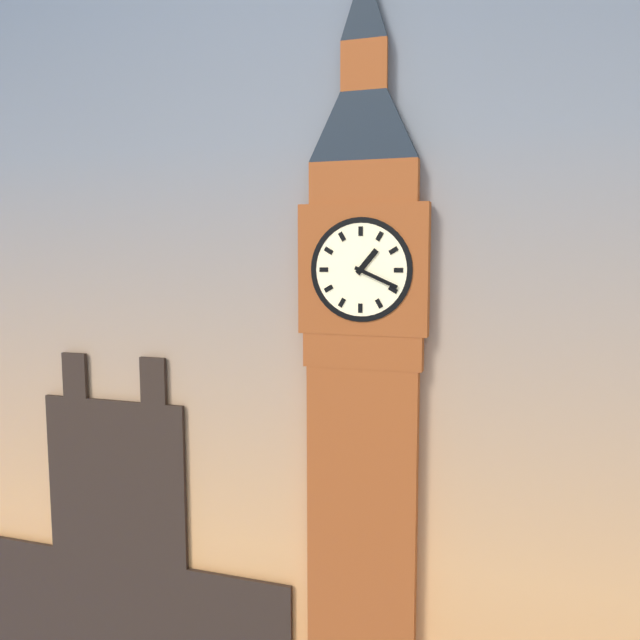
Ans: 1:19
